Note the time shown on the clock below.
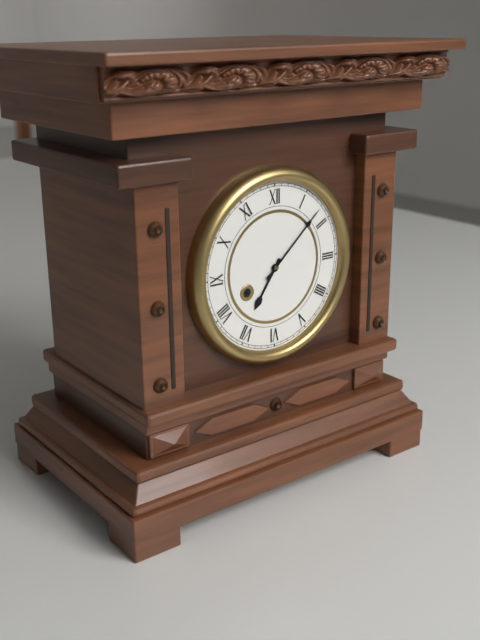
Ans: 7:08
